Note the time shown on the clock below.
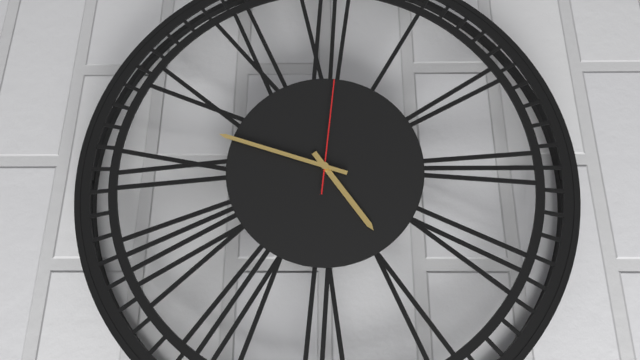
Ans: 4:48:01
